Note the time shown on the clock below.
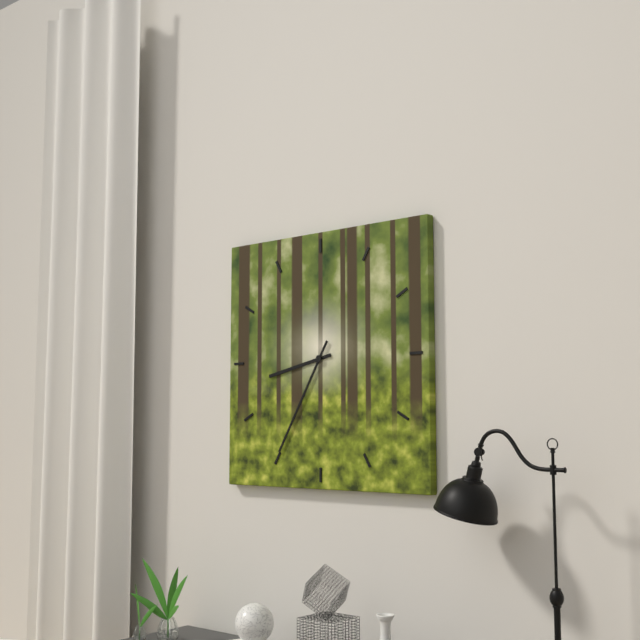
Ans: 8:35
